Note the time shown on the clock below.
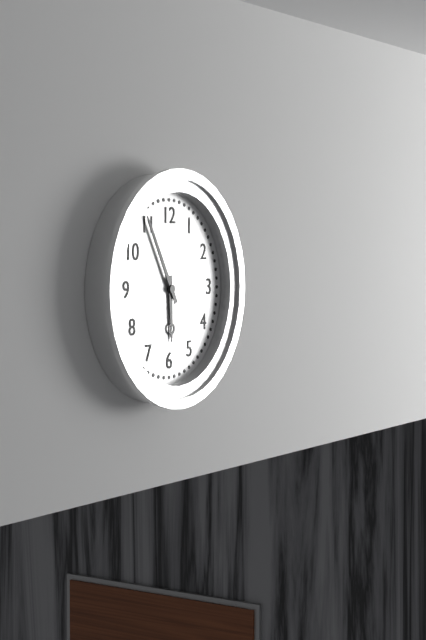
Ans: 5:55
